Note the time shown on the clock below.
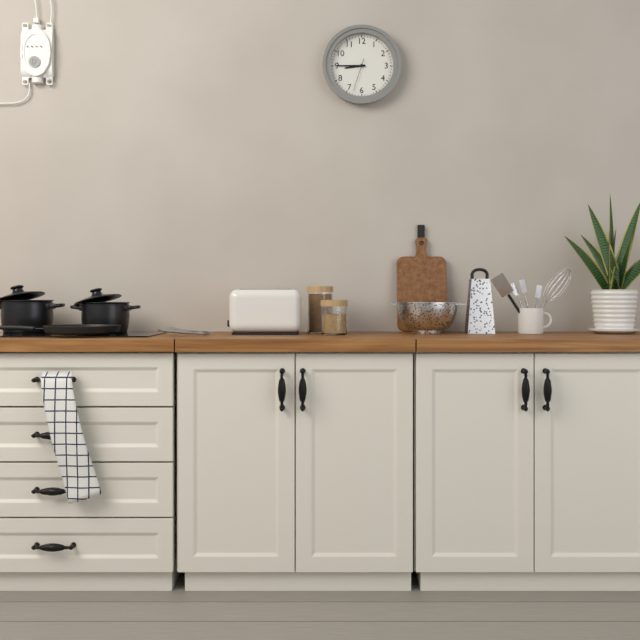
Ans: 8:45
